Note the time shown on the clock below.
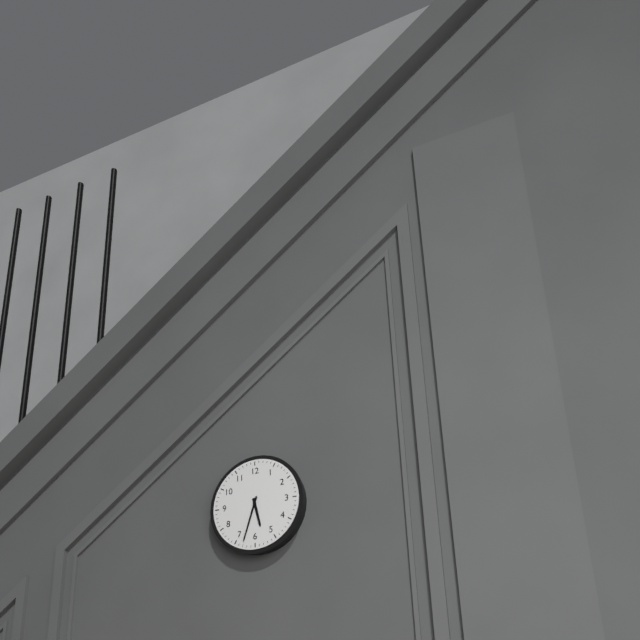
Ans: 5:33
